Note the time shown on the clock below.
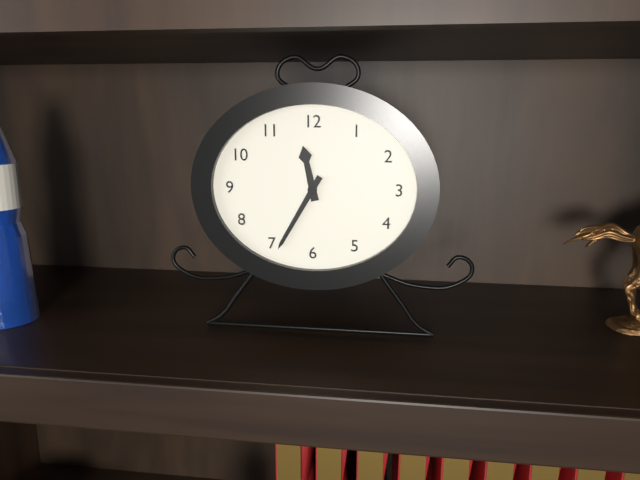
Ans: 11:35
